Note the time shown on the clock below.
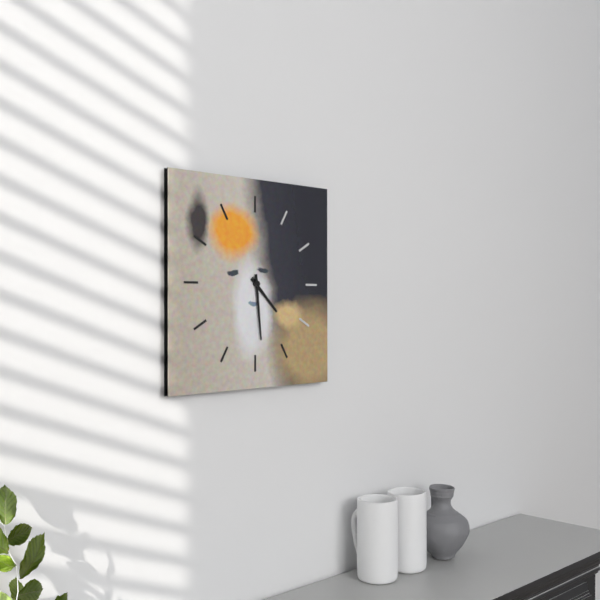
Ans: 4:29
